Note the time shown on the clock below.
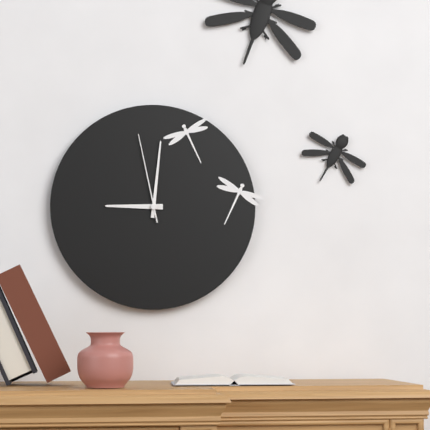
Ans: 9:01:58
